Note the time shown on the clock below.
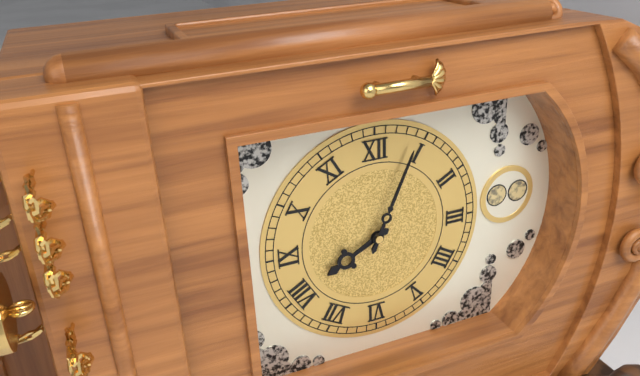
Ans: 8:04
